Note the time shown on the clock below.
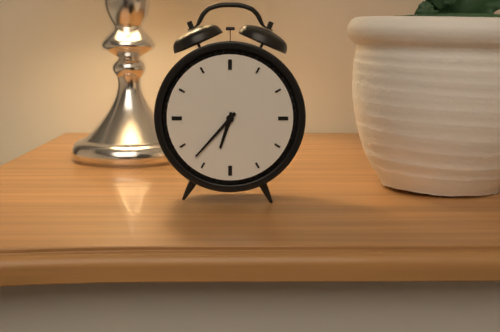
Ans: 6:37
